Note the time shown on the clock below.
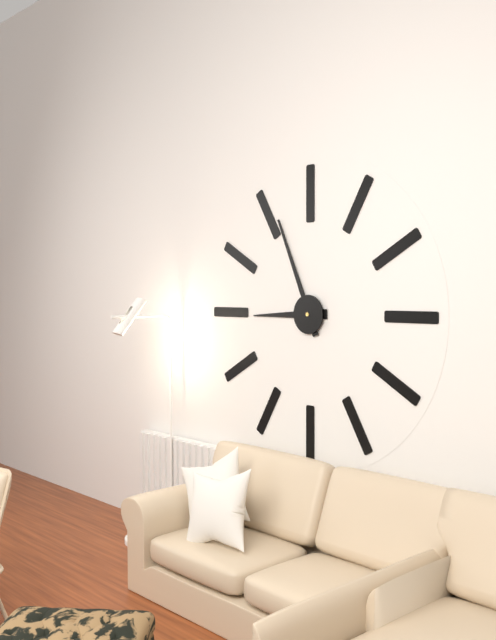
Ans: 8:56
